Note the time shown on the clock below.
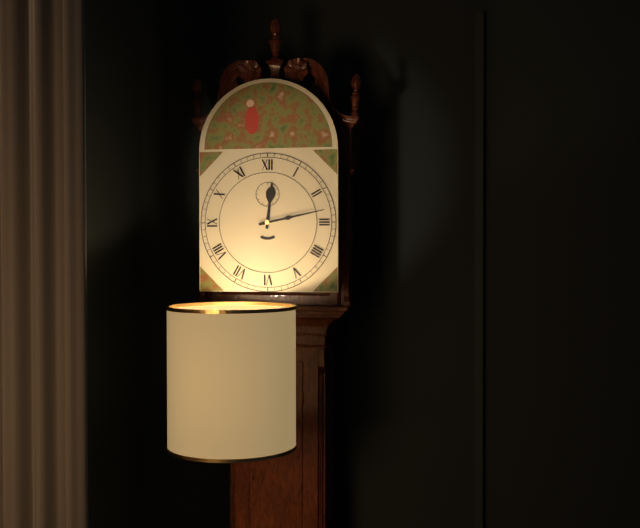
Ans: 12:13
